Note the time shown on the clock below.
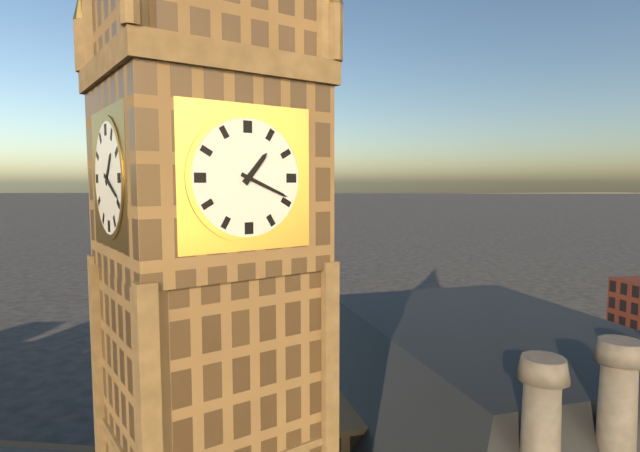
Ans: 1:19
